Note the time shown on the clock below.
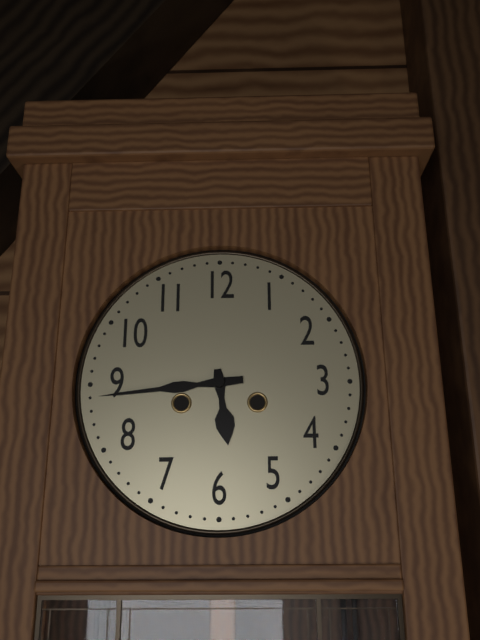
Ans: 5:44
